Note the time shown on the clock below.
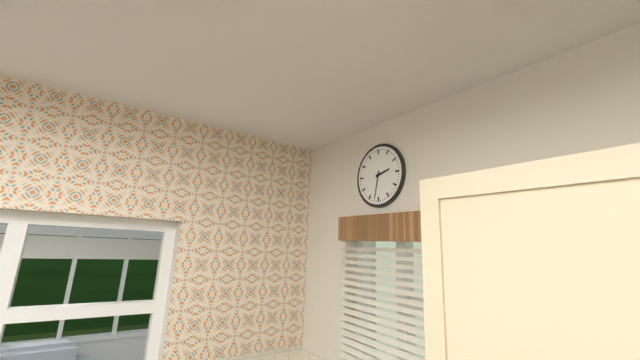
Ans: 2:32
